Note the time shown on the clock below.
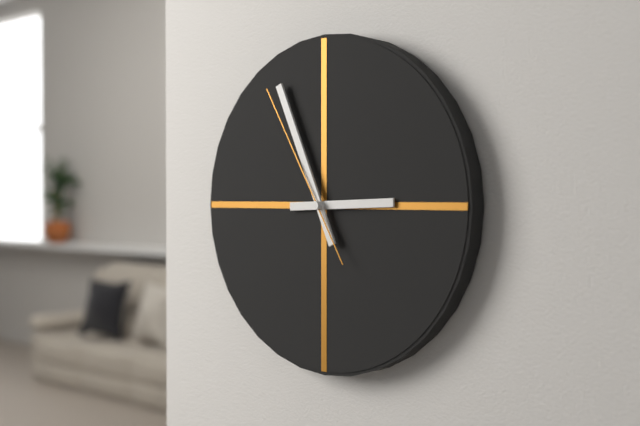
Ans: 2:56:55
